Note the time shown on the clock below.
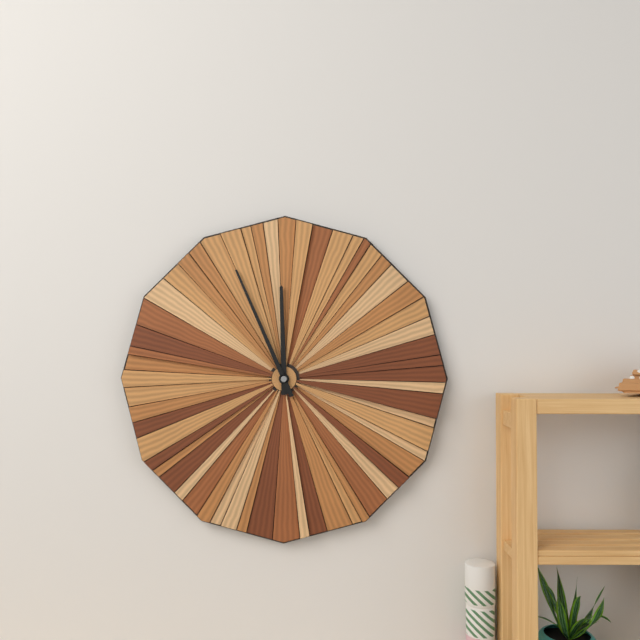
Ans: 11:56
